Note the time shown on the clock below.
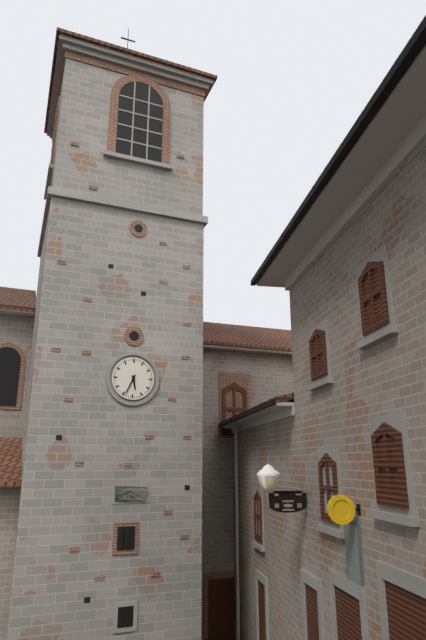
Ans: 5:34
